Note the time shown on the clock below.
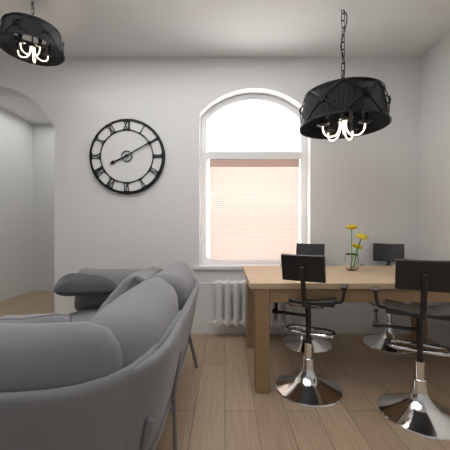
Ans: 8:10
